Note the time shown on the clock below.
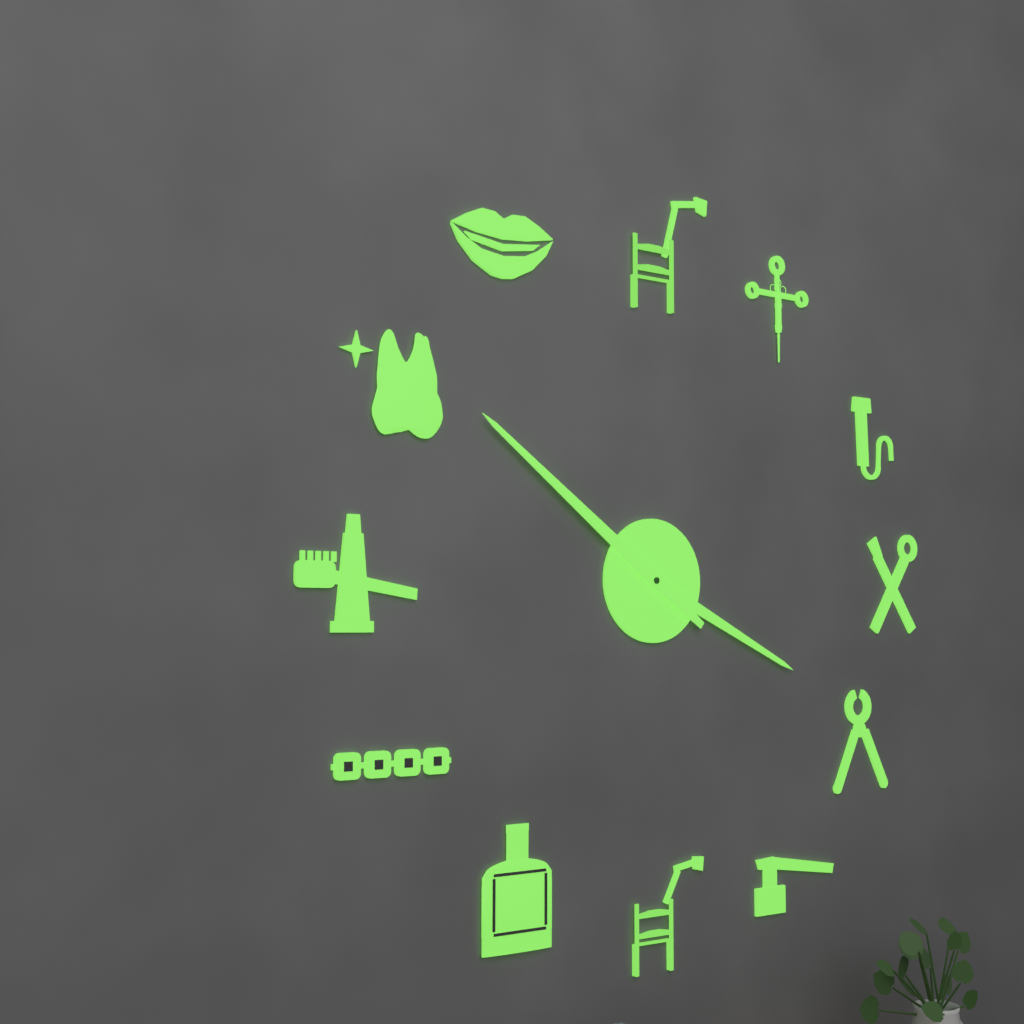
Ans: 3:51
